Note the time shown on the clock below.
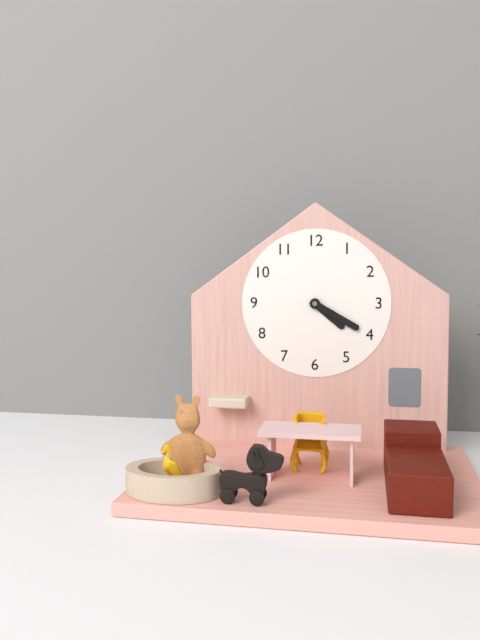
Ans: 4:20
